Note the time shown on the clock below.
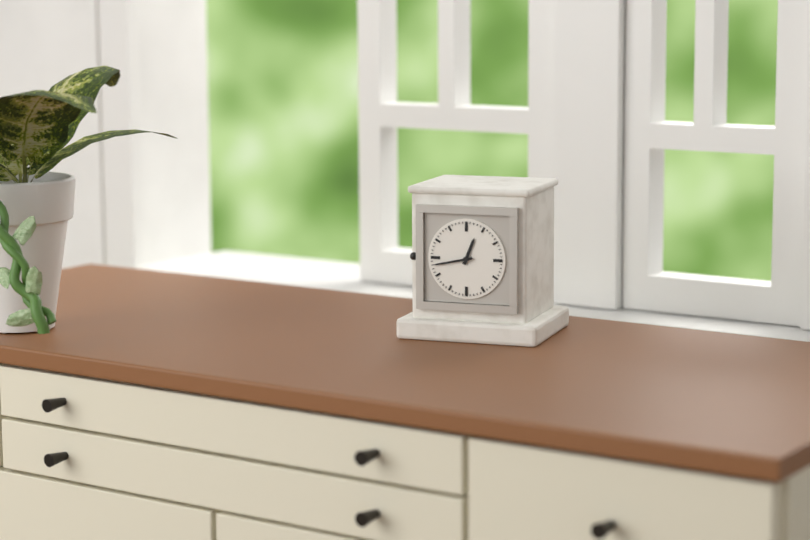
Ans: 12:43
